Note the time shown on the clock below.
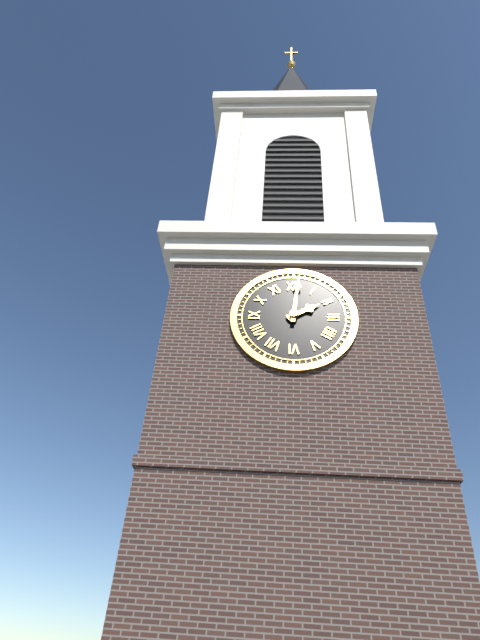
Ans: 2:01
